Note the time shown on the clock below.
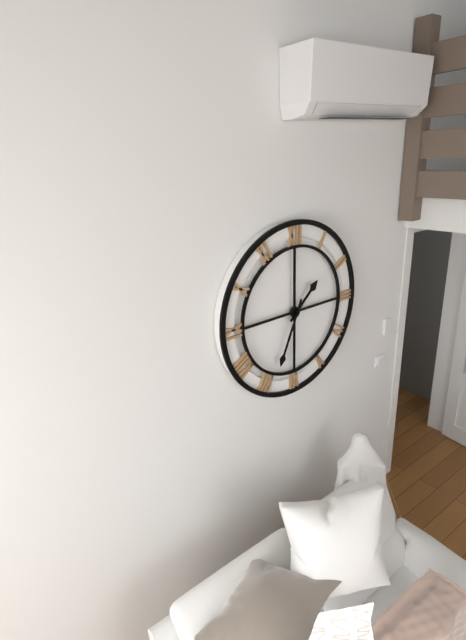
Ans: 1:34
